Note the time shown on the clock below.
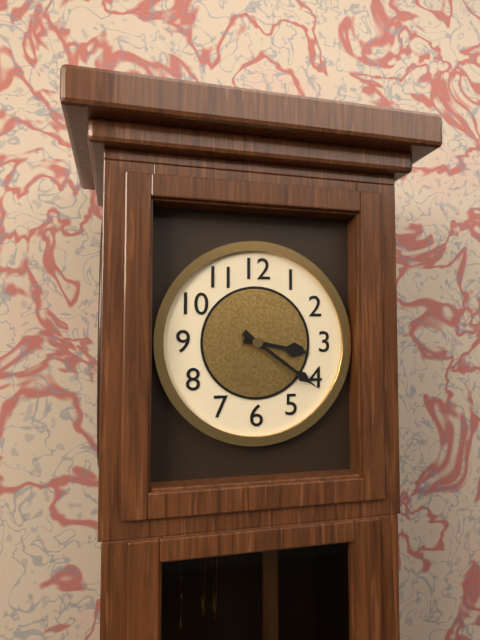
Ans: 3:21
